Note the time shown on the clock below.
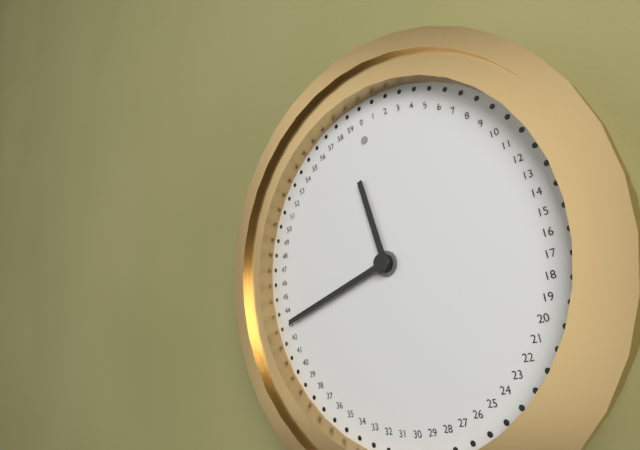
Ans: 11:43
